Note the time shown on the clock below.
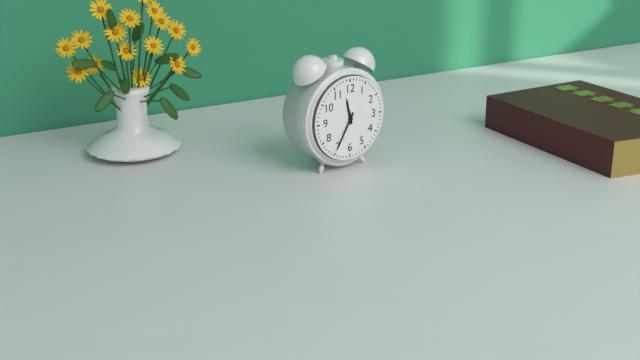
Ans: 11:35
